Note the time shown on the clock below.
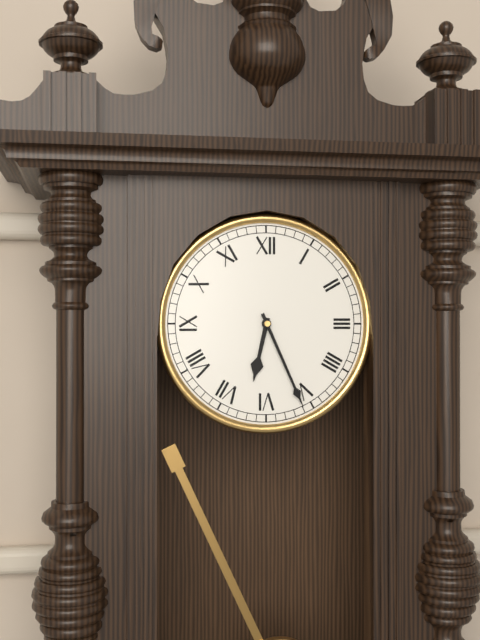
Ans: 6:26
